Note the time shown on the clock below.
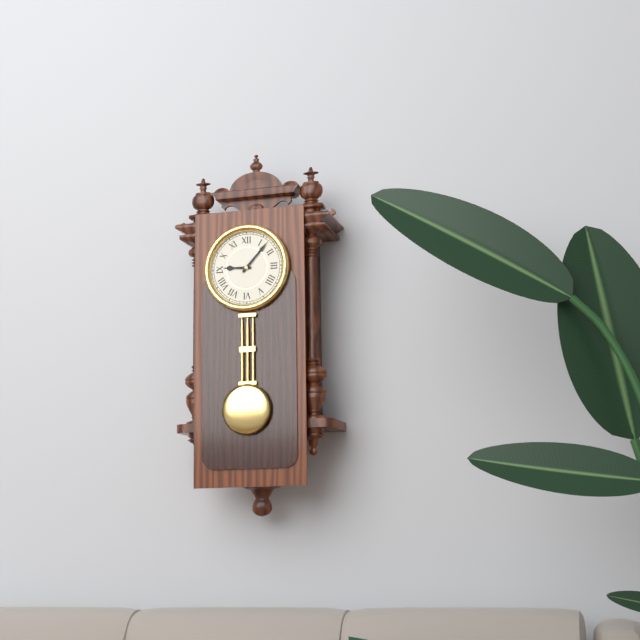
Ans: 9:07
